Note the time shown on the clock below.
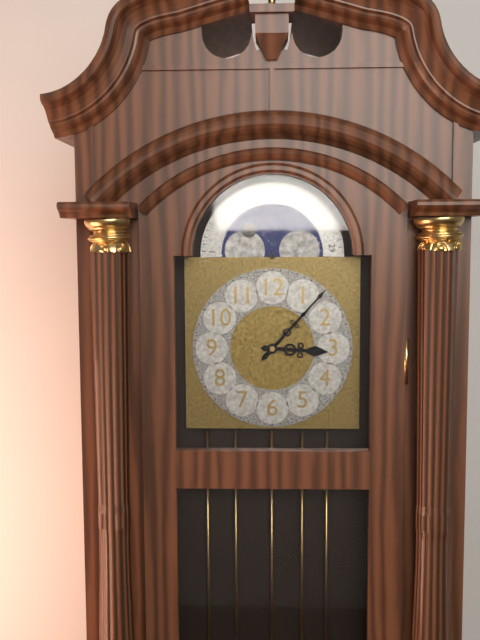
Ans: 3:07
